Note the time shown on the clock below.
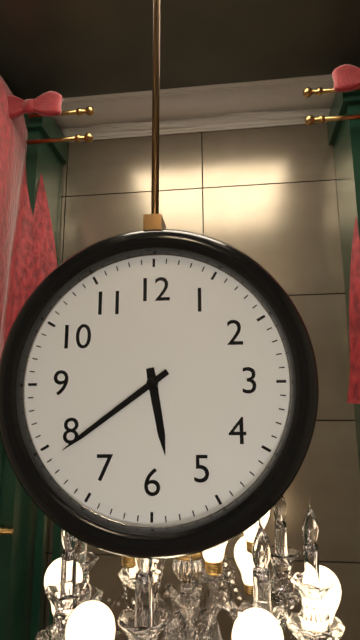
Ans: 5:39
